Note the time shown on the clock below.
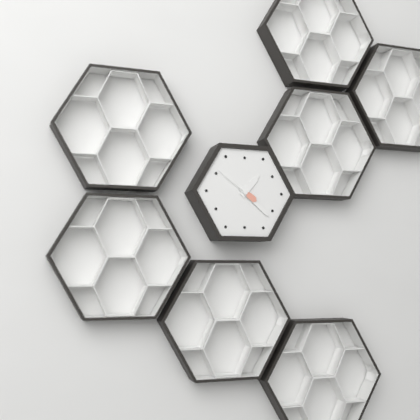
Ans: 1:22
